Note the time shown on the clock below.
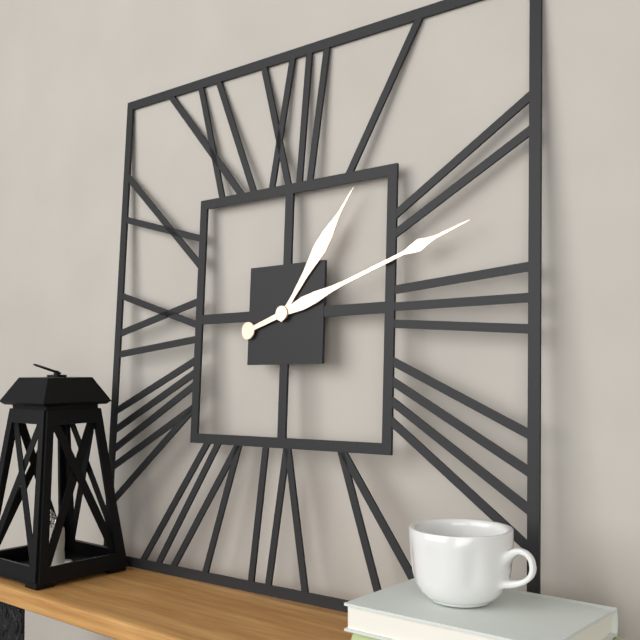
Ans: 1:12
